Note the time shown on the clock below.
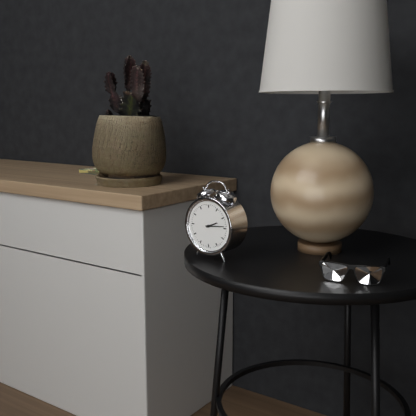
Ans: 2:14
